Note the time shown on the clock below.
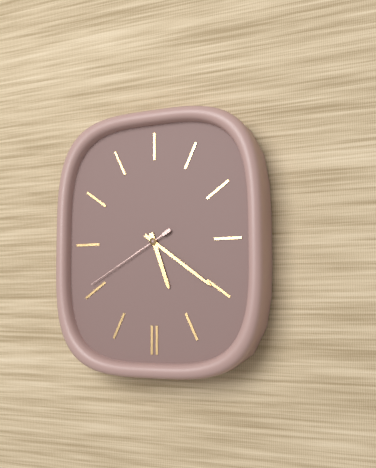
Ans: 5:21:40
